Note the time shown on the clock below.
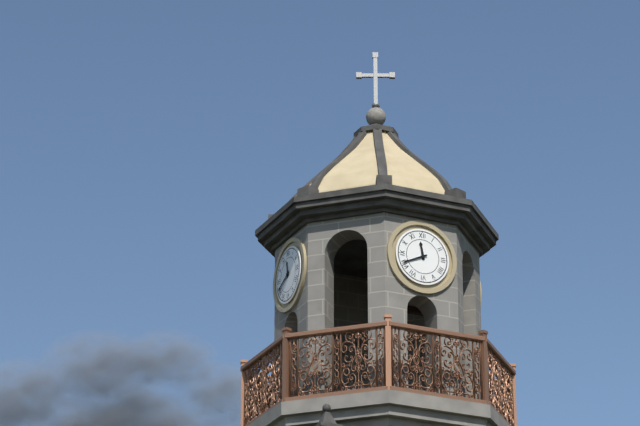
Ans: 11:41
